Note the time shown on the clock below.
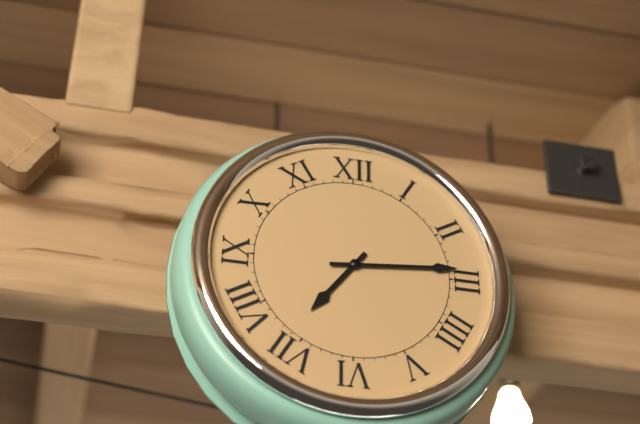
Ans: 7:14
